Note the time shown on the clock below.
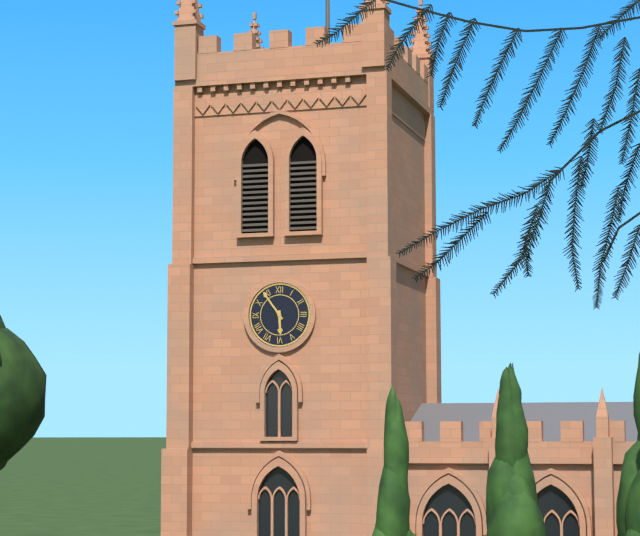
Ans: 5:54
